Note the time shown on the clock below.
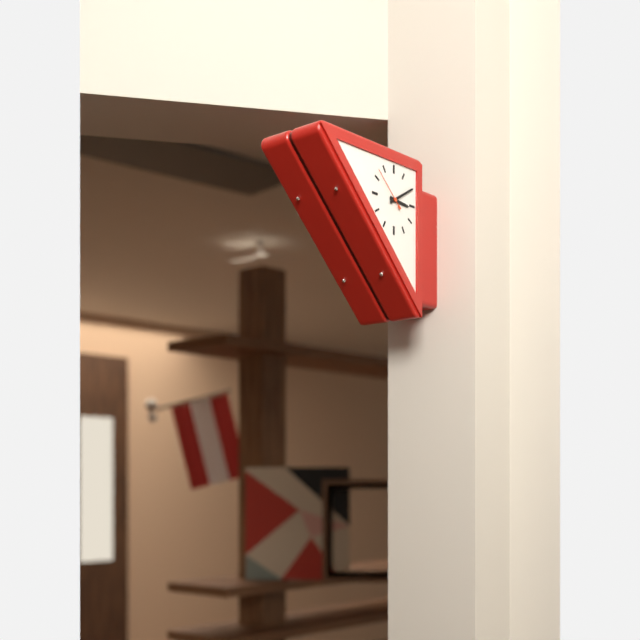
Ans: 3:10
